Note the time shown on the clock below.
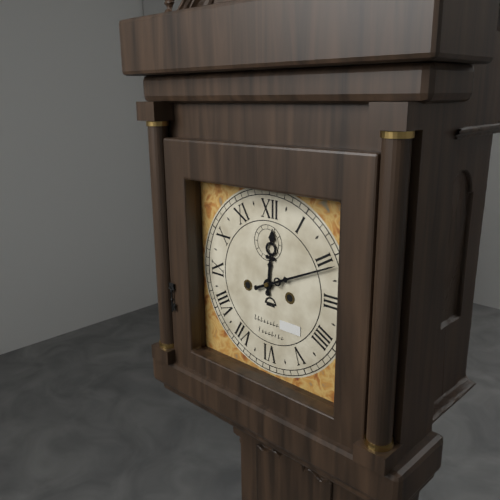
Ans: 12:11
